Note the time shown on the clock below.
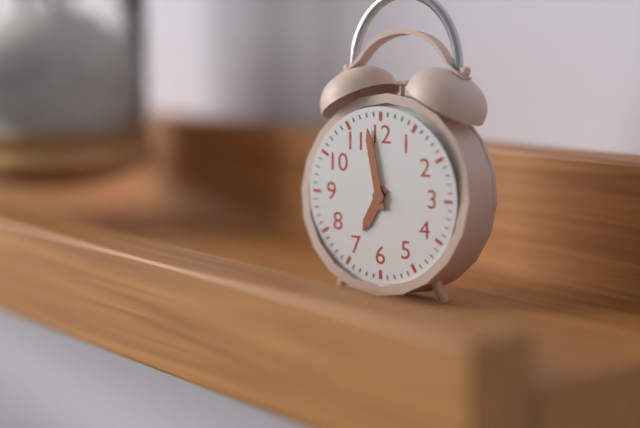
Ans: 6:58
